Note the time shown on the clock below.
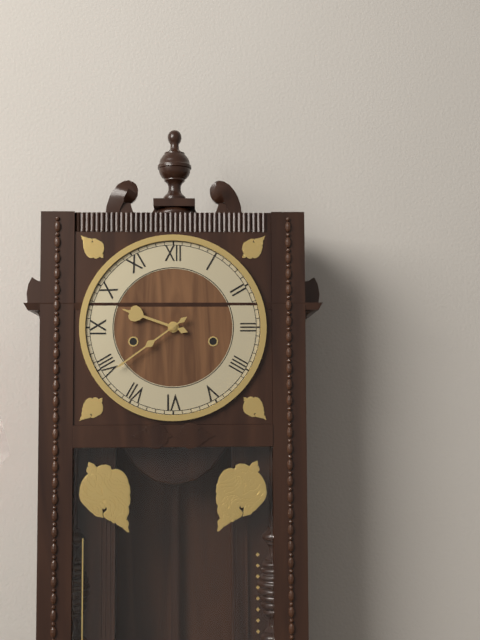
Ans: 9:39
